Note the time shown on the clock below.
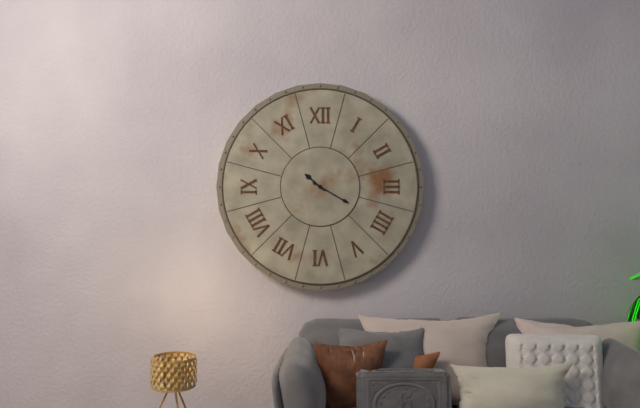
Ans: 10:20
